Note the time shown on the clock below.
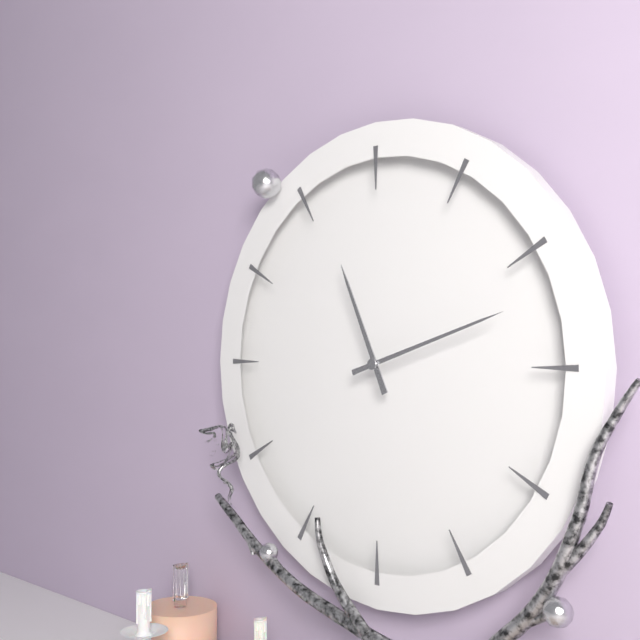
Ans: 11:12
